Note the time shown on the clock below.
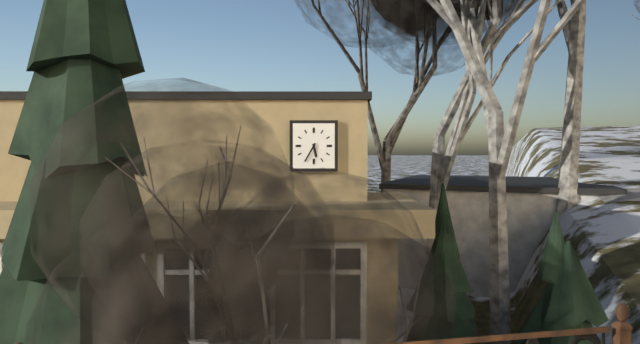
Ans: 5:35
